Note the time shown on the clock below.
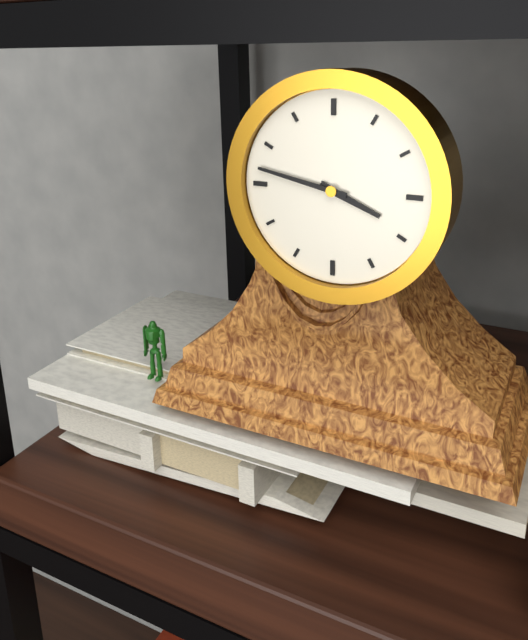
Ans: 3:47
